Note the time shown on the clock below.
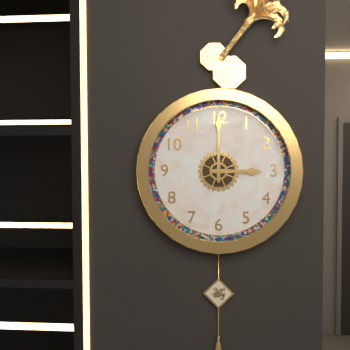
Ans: 3:00
